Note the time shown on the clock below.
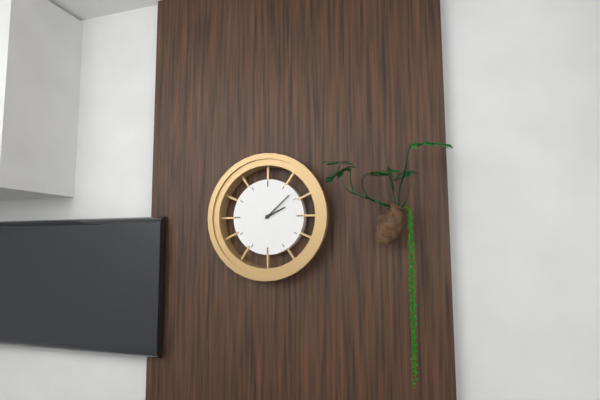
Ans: 2:08
